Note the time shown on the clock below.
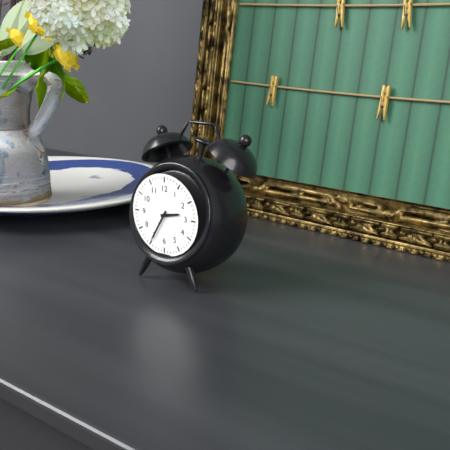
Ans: 2:35
